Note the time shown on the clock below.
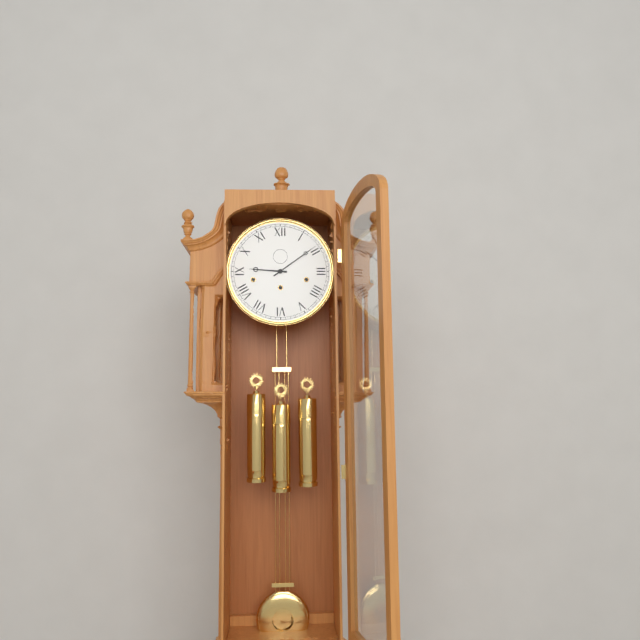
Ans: 9:09
